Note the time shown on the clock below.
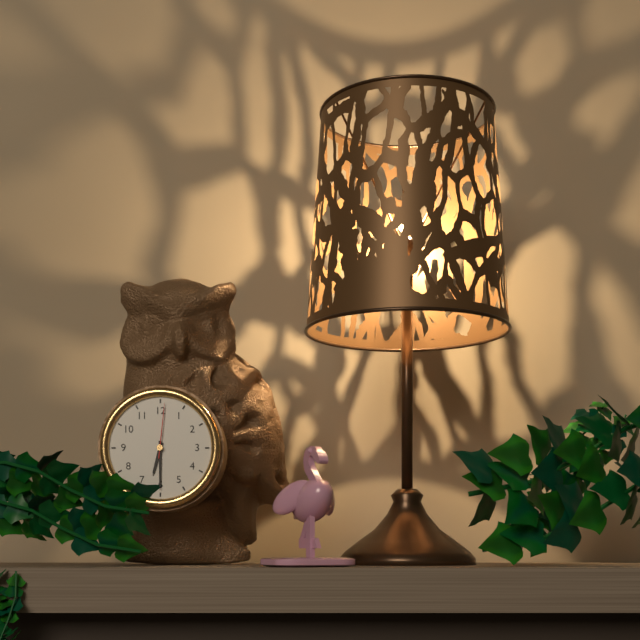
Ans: 6:30:01
